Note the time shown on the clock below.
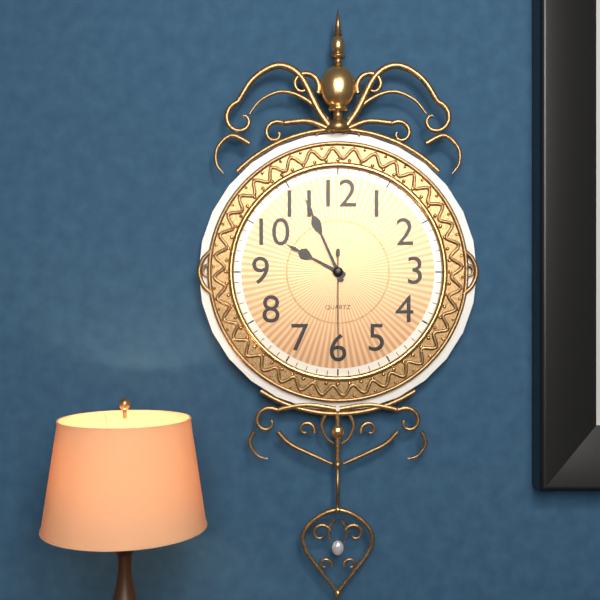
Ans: 9:56:30
